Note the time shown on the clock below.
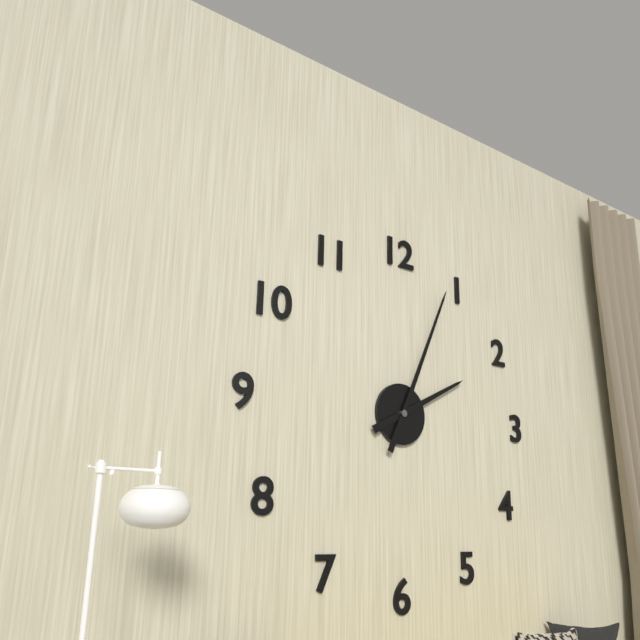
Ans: 2:04
